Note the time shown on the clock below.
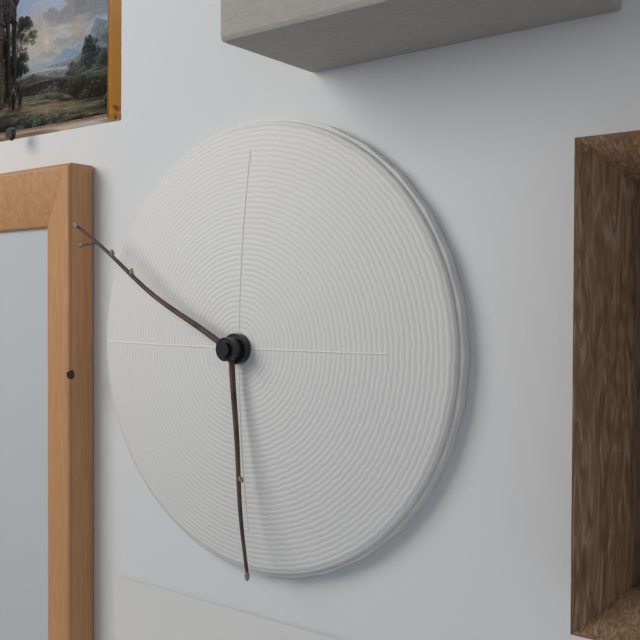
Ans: 5:50
